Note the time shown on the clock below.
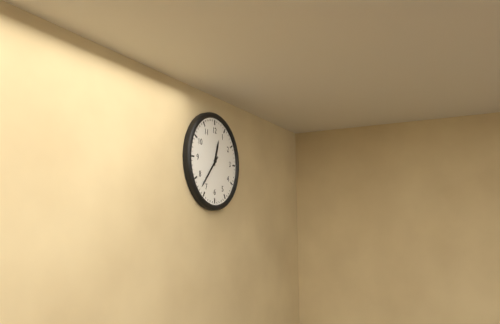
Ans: 12:37
